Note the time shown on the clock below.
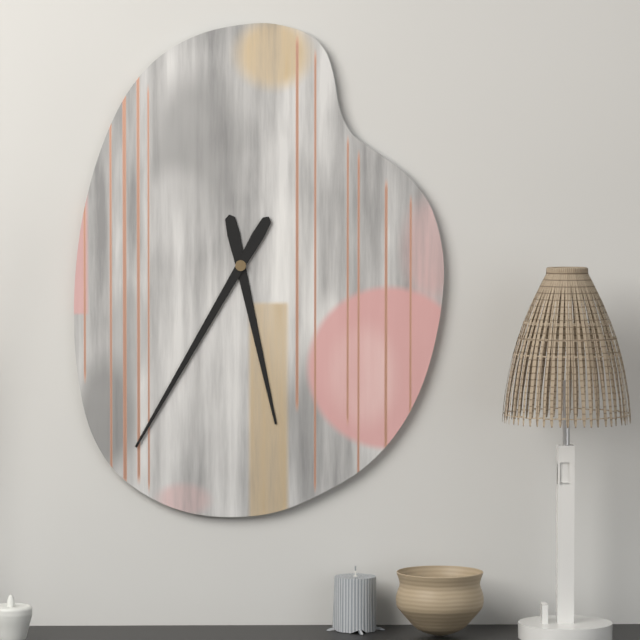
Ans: 5:35
